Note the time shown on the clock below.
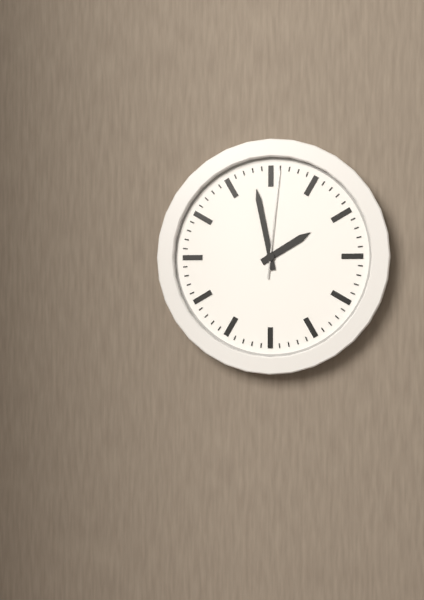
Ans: 1:58:01
